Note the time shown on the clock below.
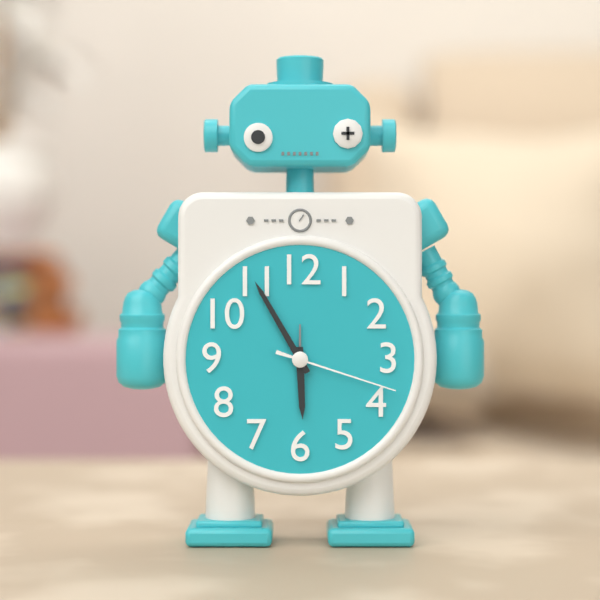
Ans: 5:55:18
